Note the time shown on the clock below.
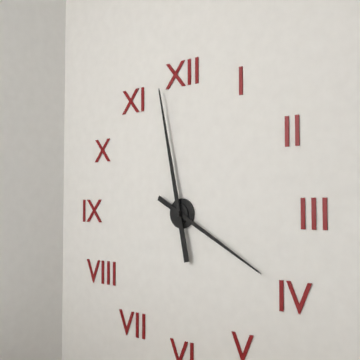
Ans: 3:58
